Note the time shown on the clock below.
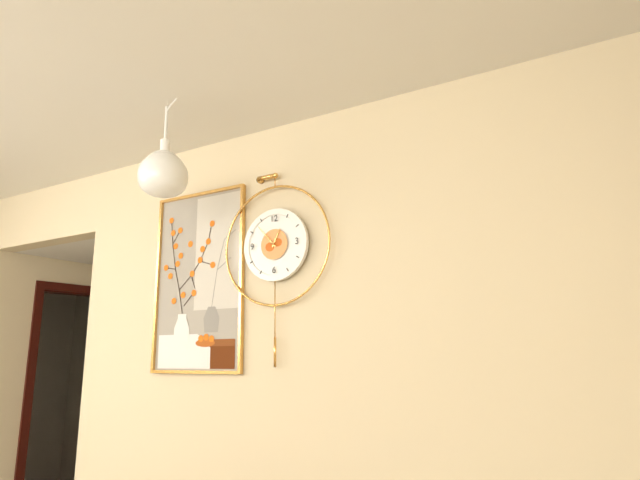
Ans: 12:53
